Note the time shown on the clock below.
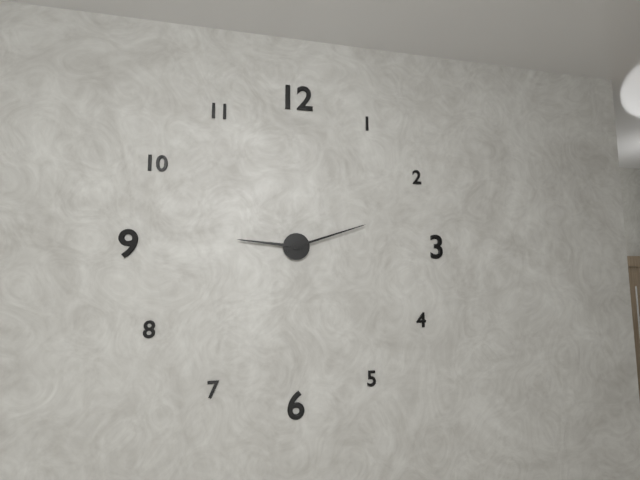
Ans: 9:12
